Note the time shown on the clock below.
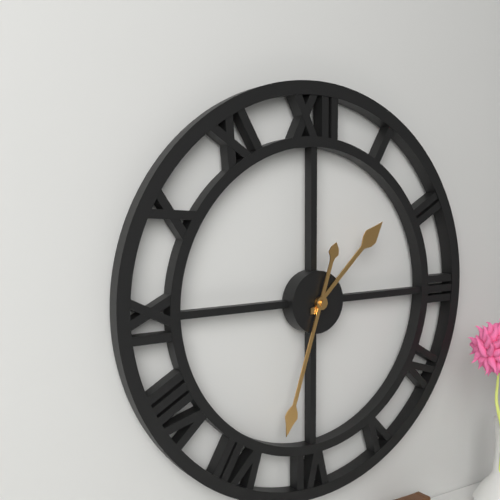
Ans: 1:33
